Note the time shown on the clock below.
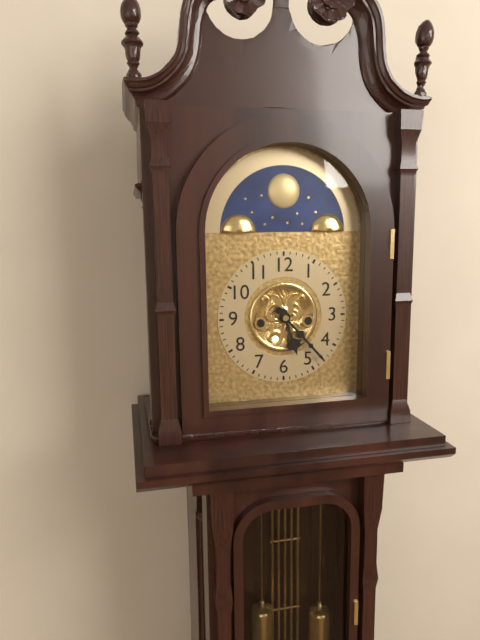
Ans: 5:23
